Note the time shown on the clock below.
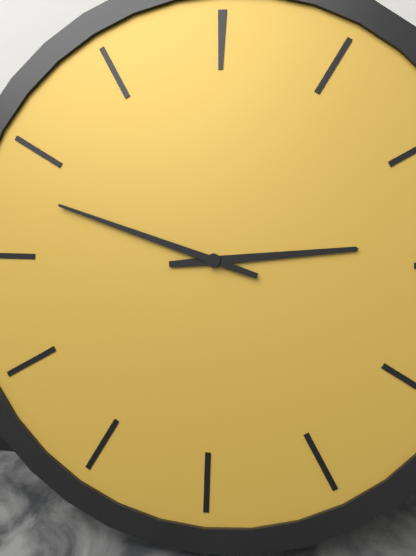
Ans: 2:48
